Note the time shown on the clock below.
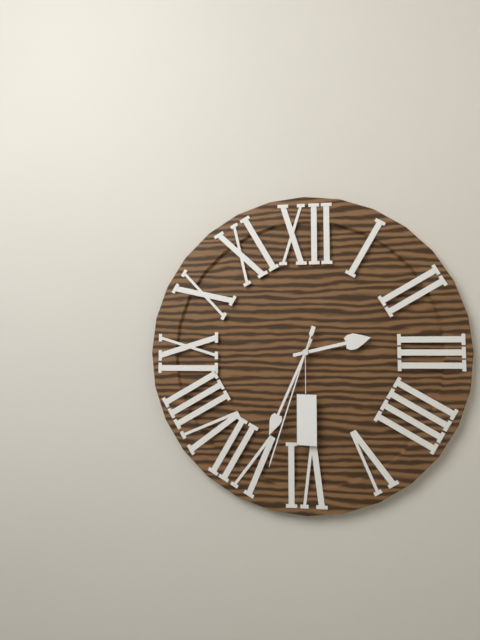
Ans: 2:34:33
